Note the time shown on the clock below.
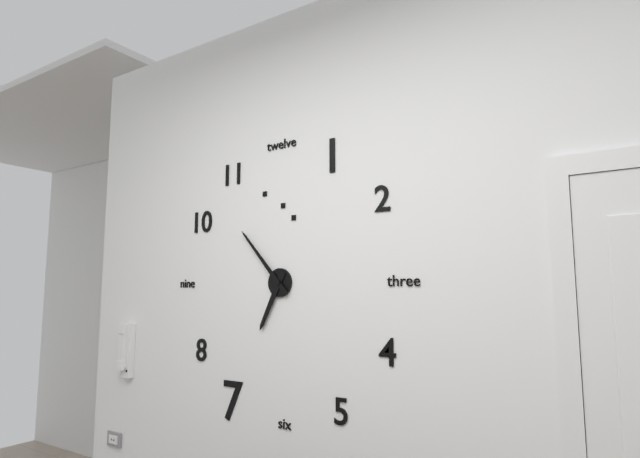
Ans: 6:53
